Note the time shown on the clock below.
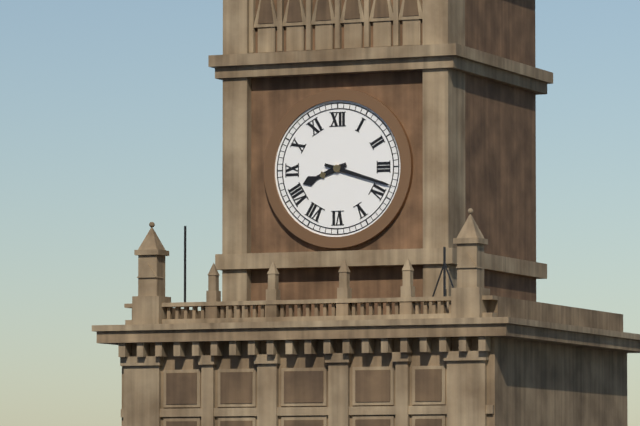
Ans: 8:18
